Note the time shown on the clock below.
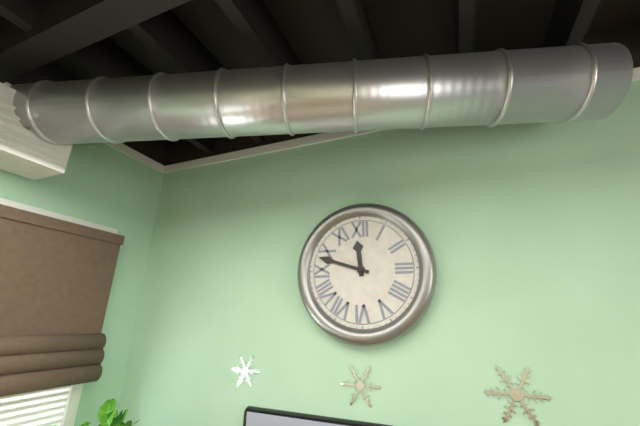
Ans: 11:48
